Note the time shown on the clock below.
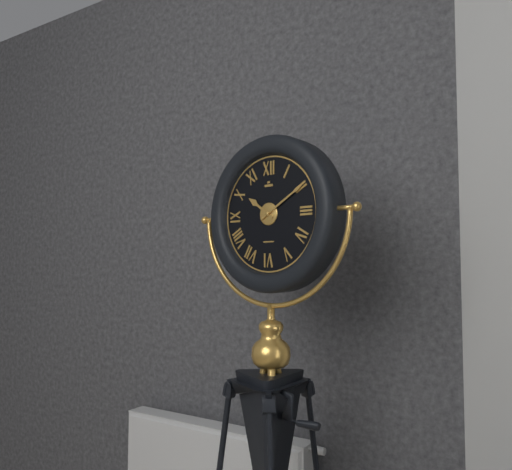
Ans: 10:10
